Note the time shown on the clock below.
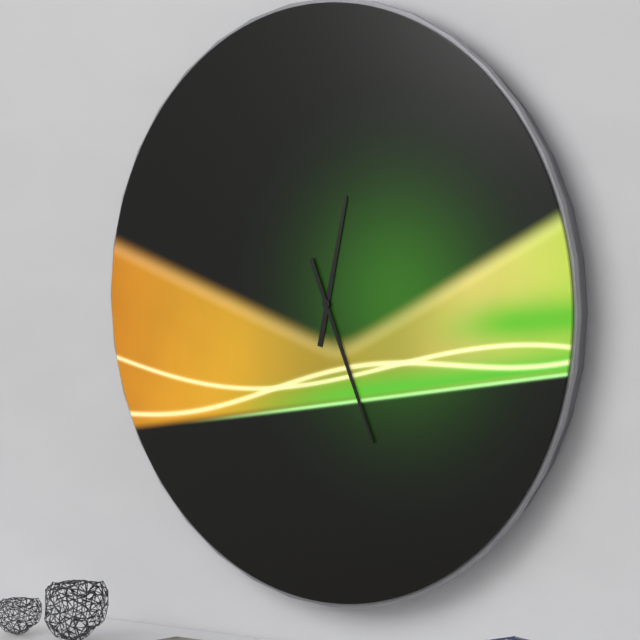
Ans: 12:26
